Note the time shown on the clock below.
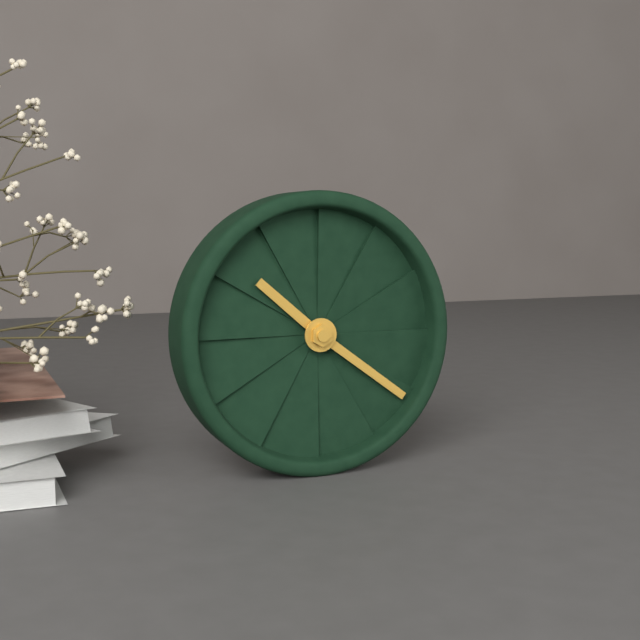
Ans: 10:21
